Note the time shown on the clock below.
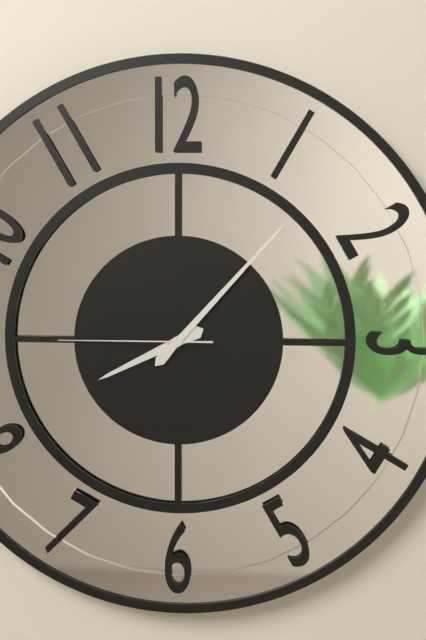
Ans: 8:07:45
